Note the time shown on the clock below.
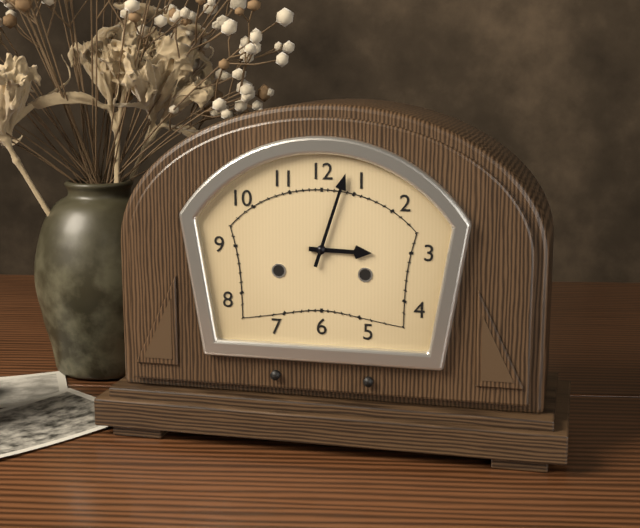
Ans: 3:03
